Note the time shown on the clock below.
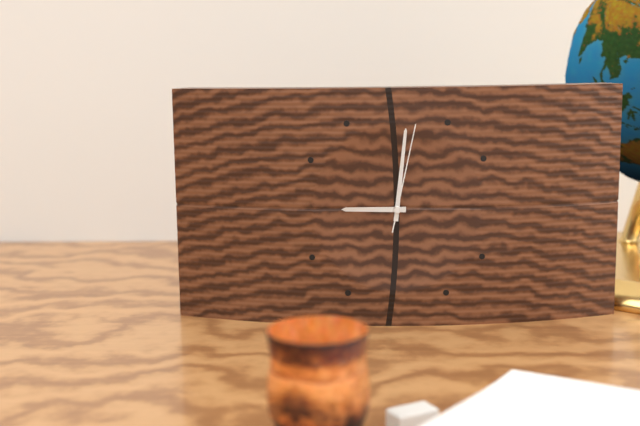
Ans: 9:01:02
